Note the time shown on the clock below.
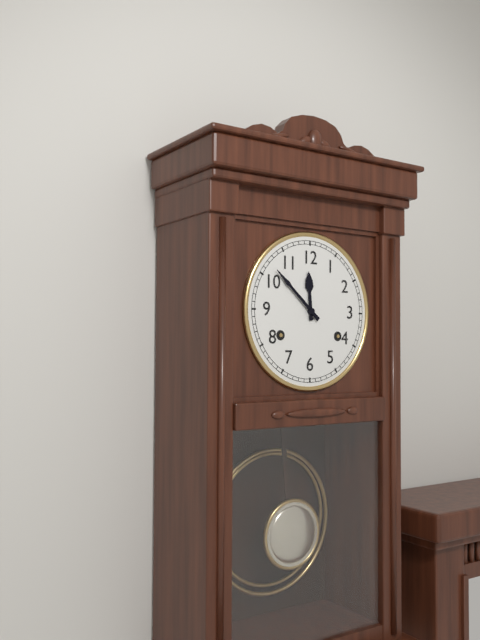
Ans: 11:52
